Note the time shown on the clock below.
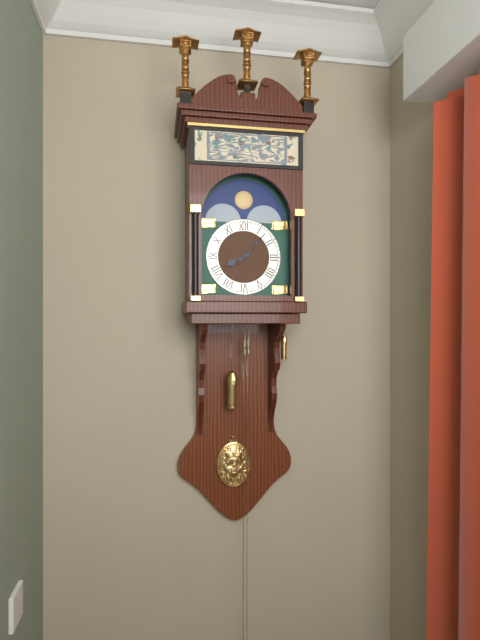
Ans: 8:07
